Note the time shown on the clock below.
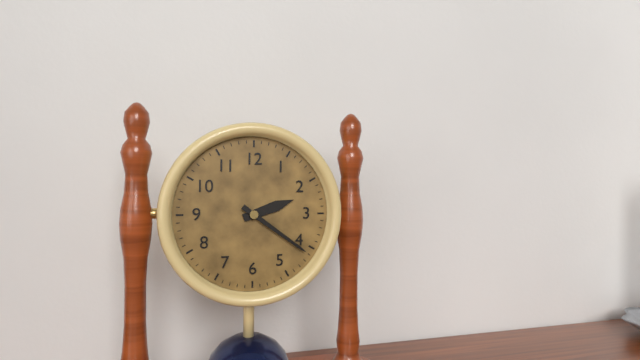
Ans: 2:21
